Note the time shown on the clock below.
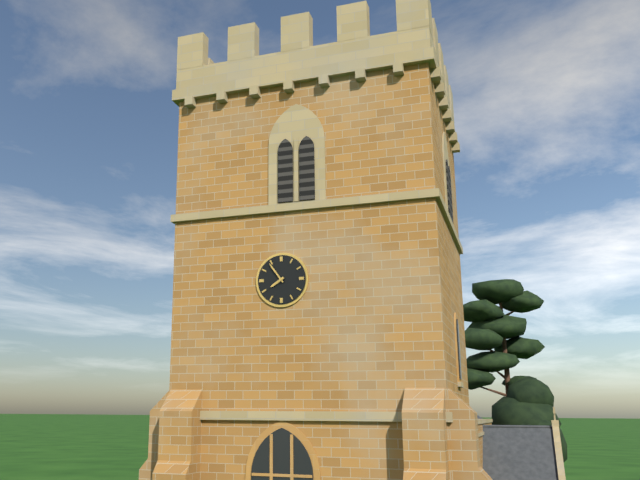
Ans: 7:54
